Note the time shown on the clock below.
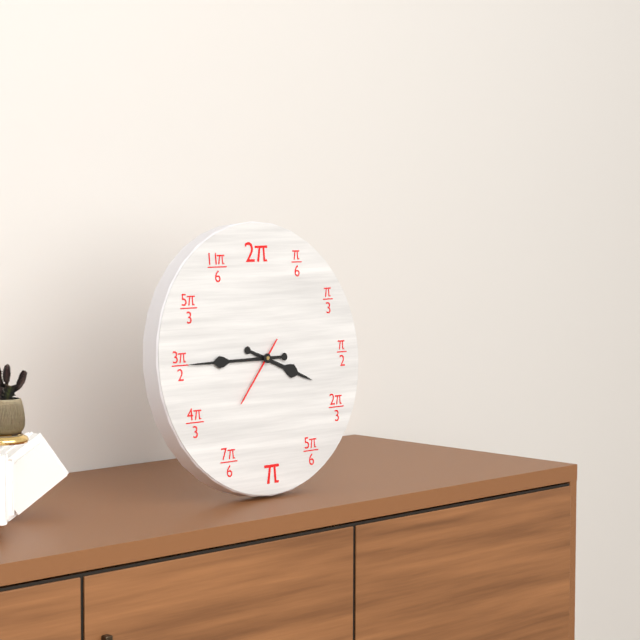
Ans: 3:45:37
